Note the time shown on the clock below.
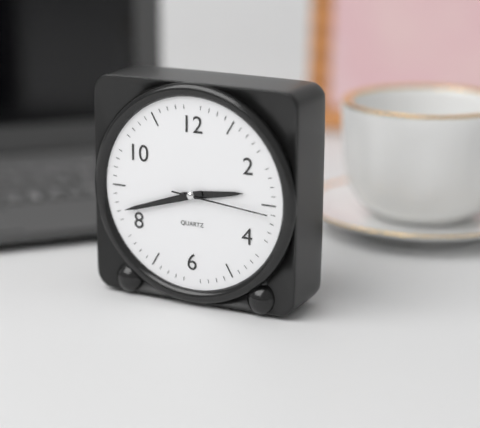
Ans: 2:42:16
